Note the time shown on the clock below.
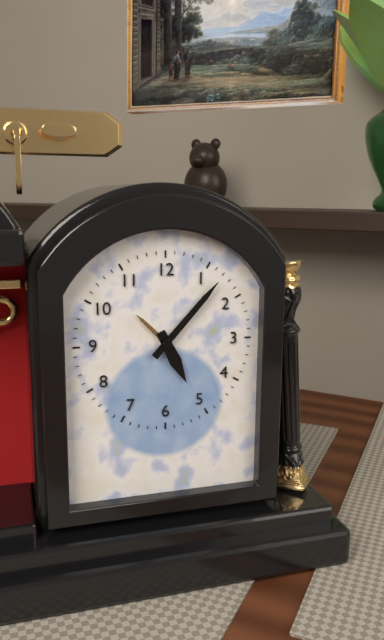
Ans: 5:07
